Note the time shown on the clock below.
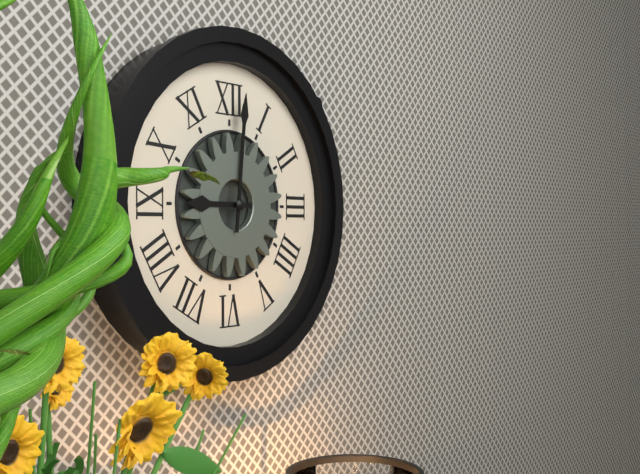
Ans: 9:01
